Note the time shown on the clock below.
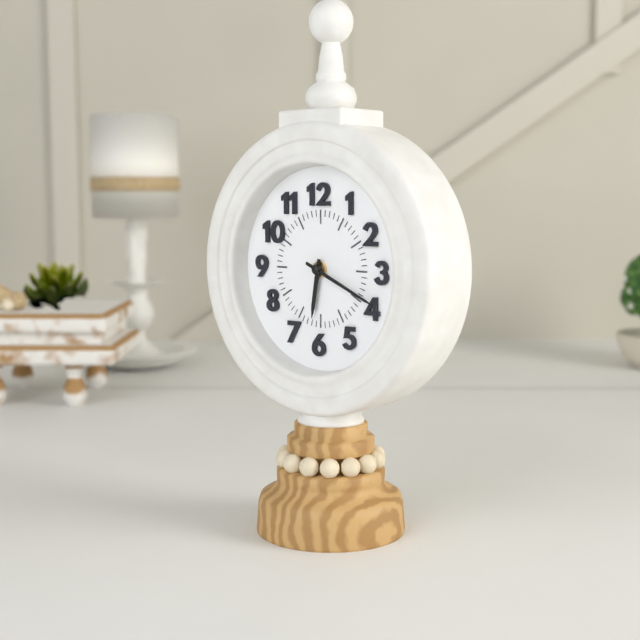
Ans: 6:19
